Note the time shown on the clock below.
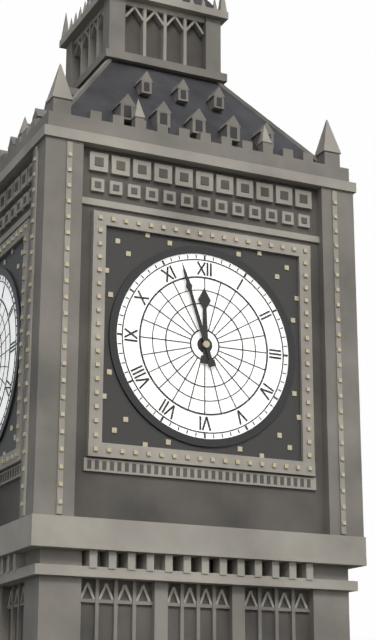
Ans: 11:57
